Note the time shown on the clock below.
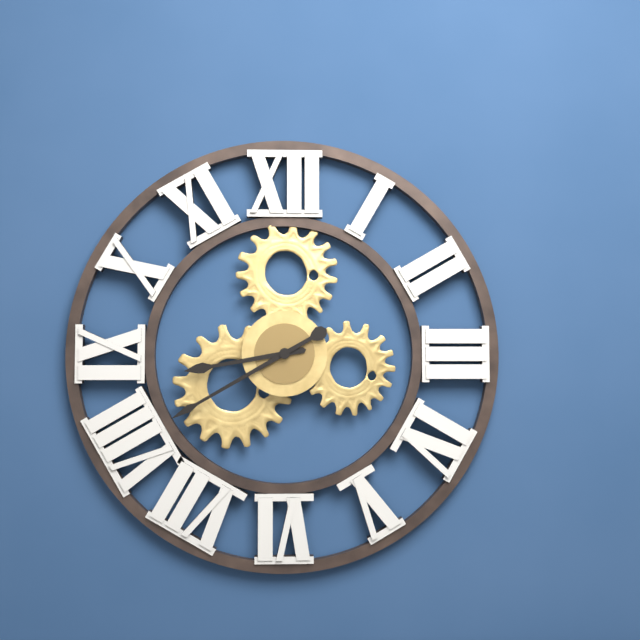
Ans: 8:40
